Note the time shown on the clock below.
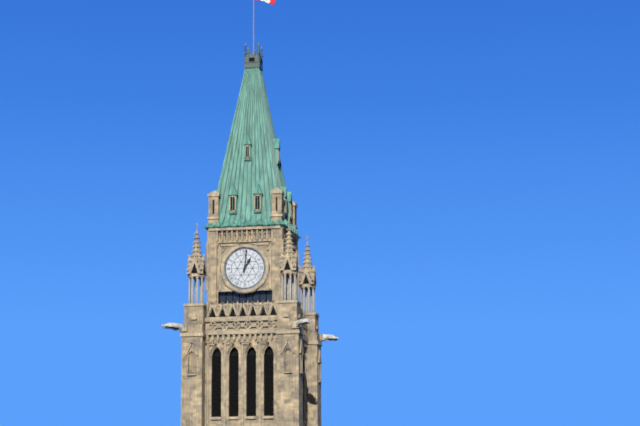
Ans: 1:01
